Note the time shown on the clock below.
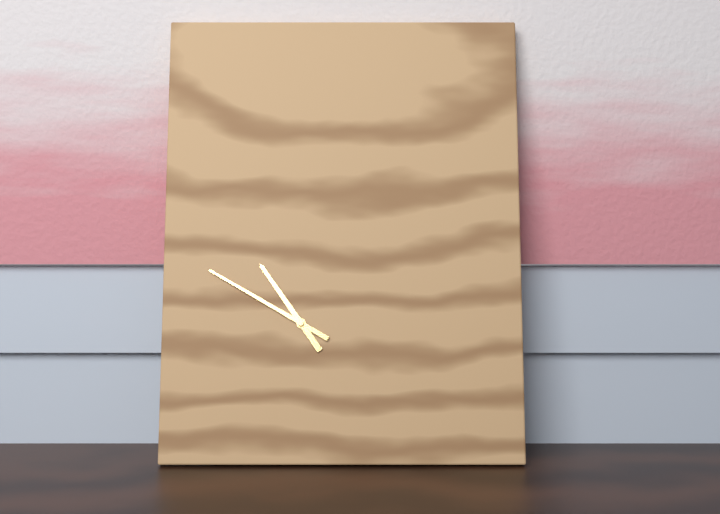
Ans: 10:50
